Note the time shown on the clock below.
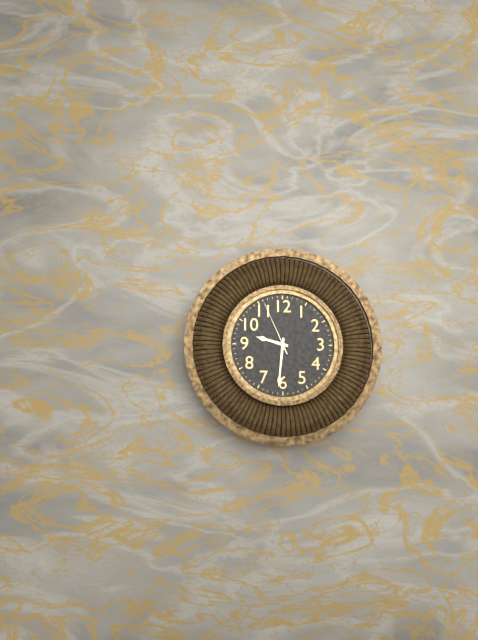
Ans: 9:31:56
